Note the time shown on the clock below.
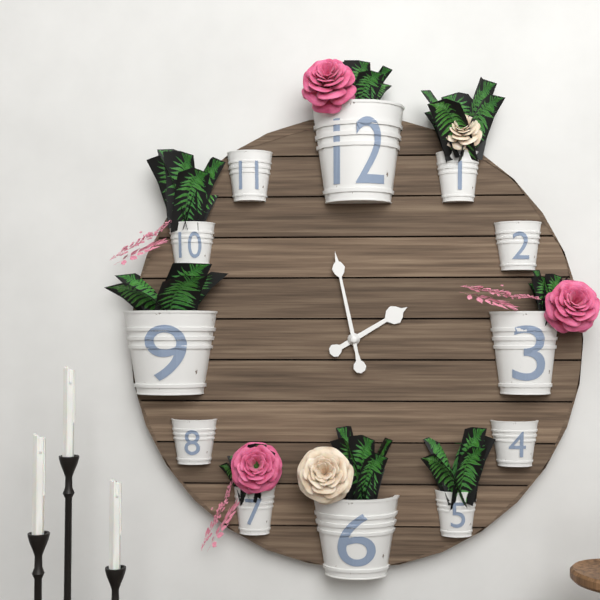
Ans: 1:58
